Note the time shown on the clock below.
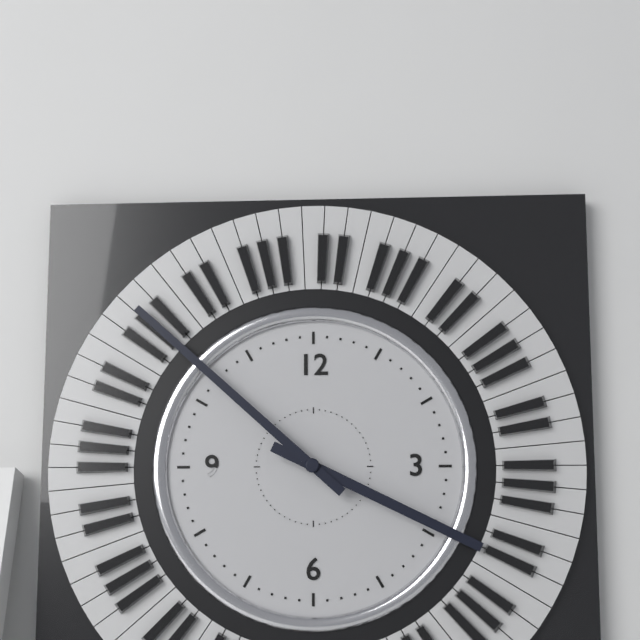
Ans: 3:52
